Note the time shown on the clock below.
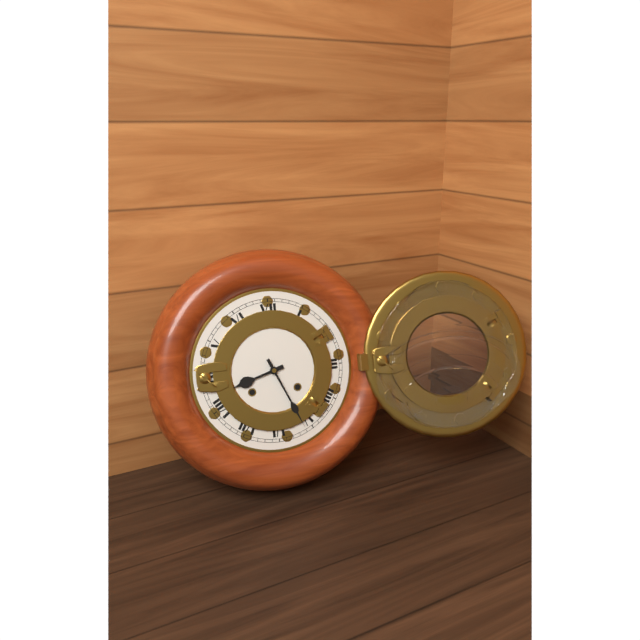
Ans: 8:26
